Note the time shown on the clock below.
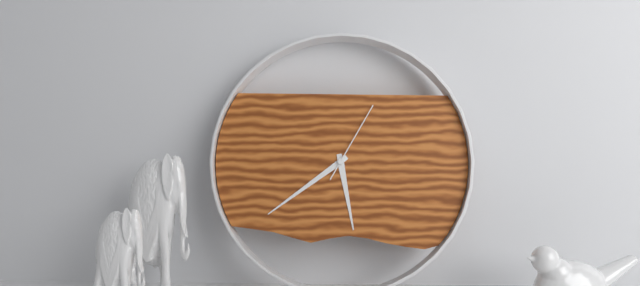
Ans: 5:39:05
